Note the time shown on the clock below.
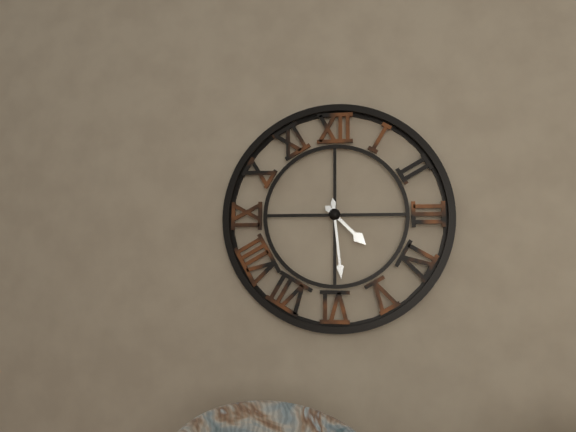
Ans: 4:29
